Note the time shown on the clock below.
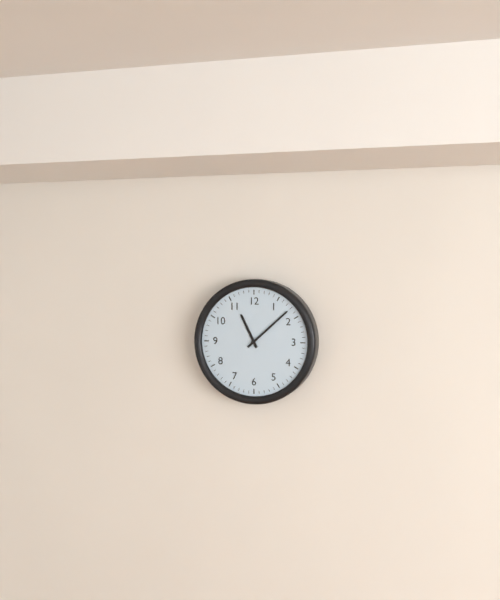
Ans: 11:08
